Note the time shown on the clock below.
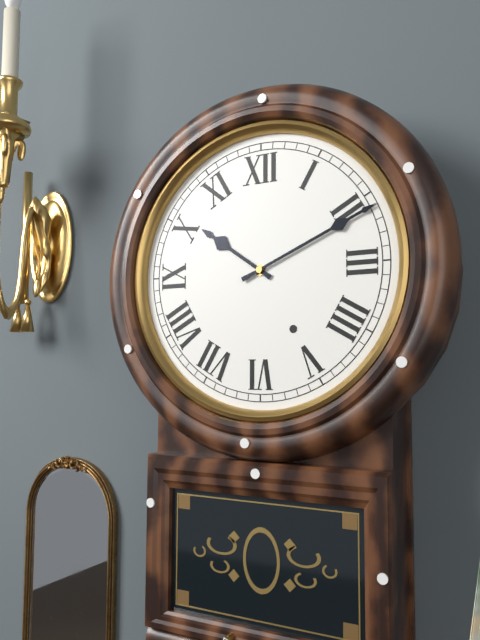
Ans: 10:11
